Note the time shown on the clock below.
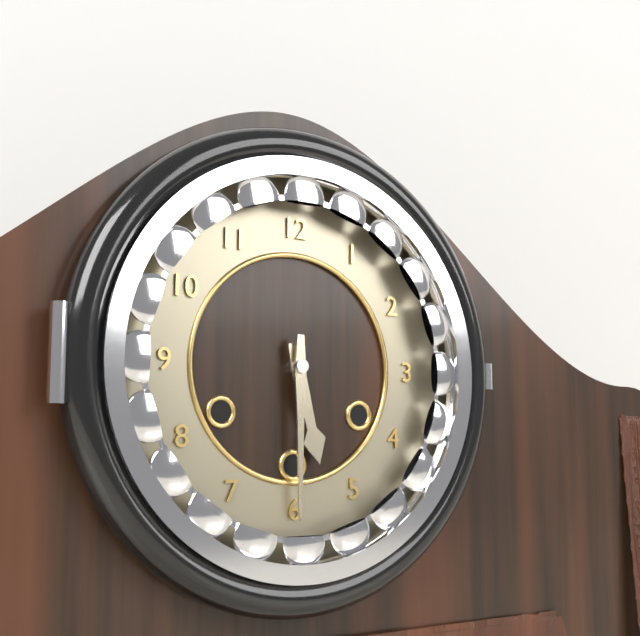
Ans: 5:30
